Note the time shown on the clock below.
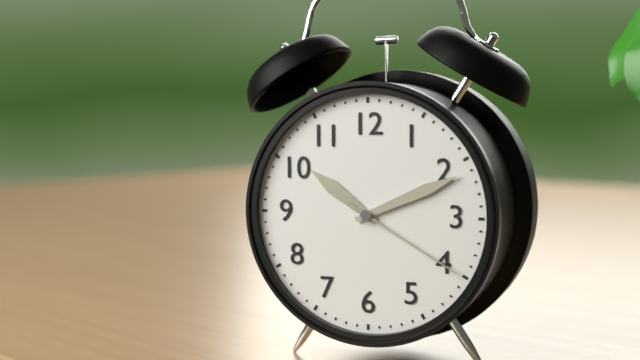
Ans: 10:11:20
